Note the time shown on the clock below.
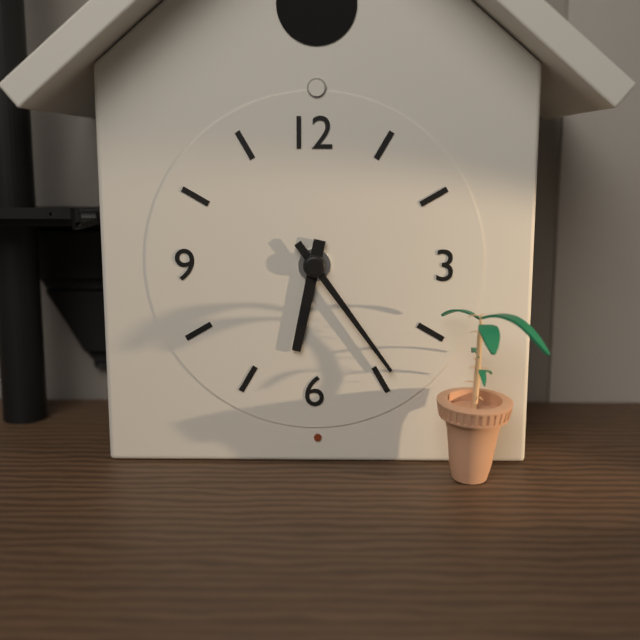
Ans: 6:24
